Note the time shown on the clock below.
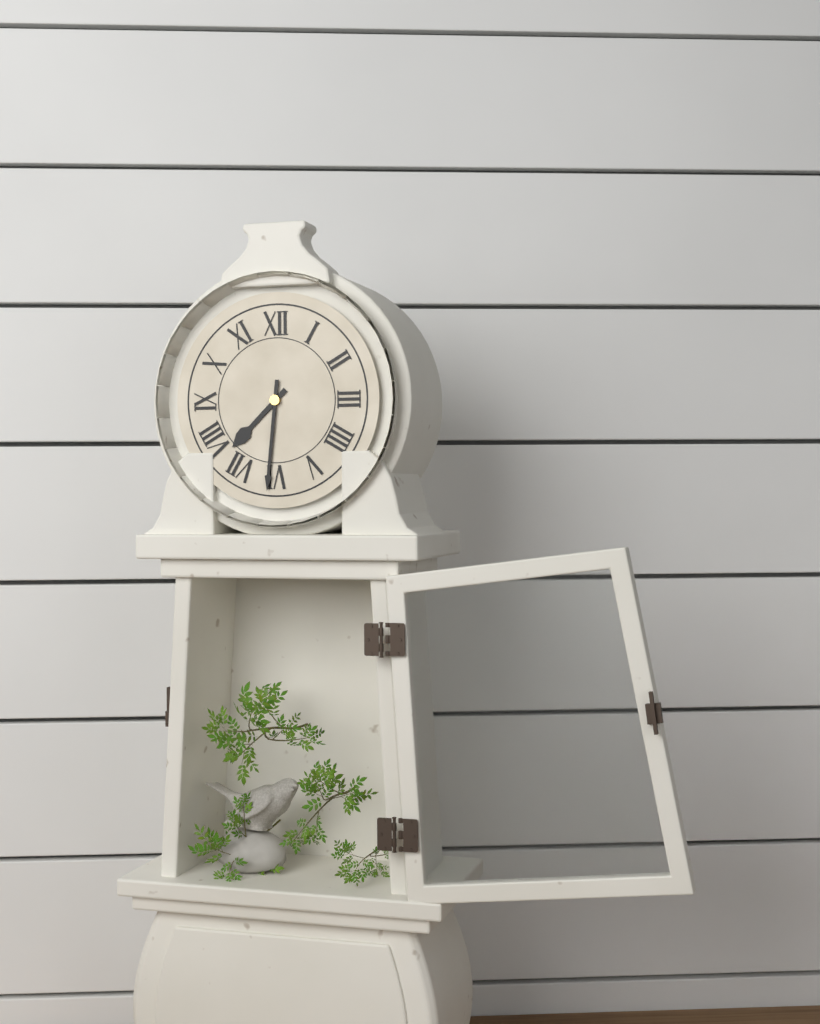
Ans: 7:31
